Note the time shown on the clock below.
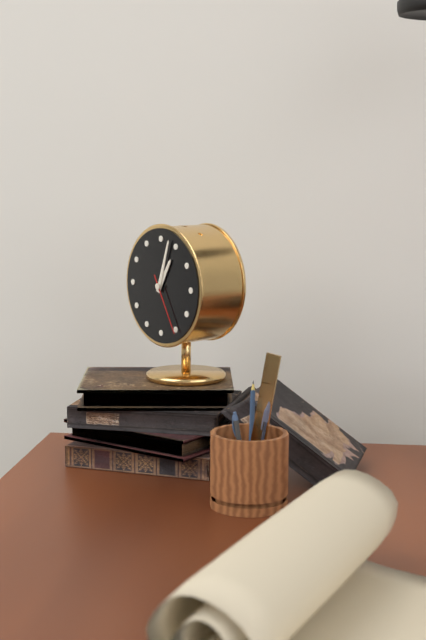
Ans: 1:03:25
